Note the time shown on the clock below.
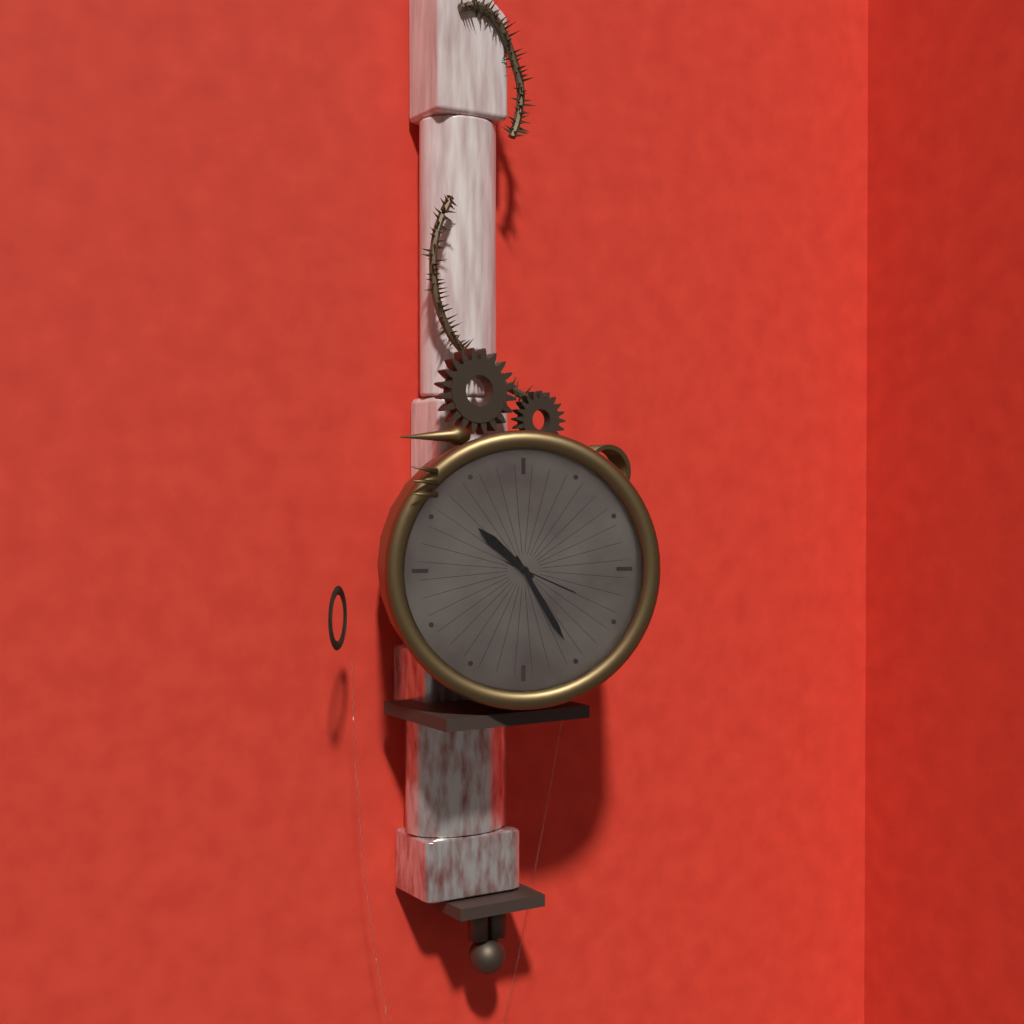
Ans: 10:25:19
